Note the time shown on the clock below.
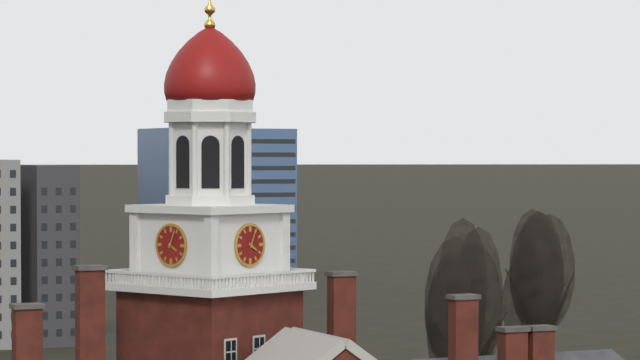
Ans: 4:04
